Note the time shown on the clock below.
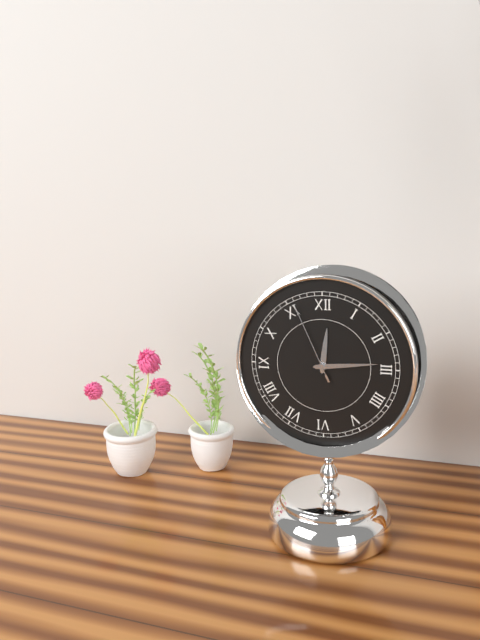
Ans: 12:14:56
